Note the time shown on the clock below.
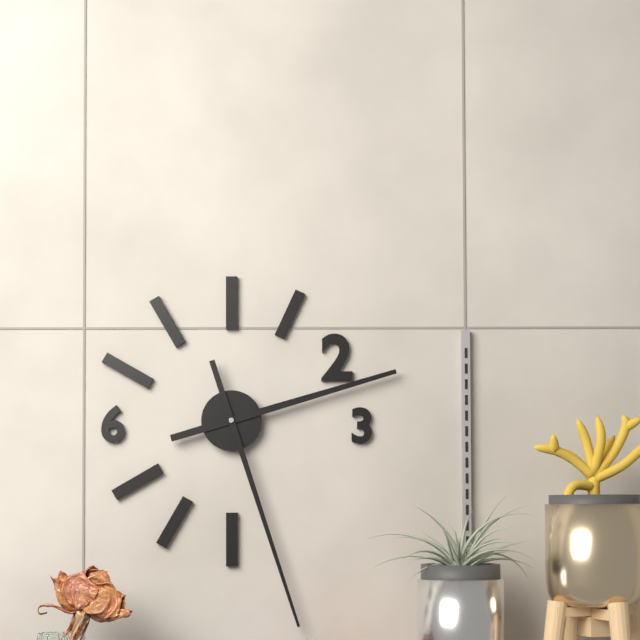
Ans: 2:27
